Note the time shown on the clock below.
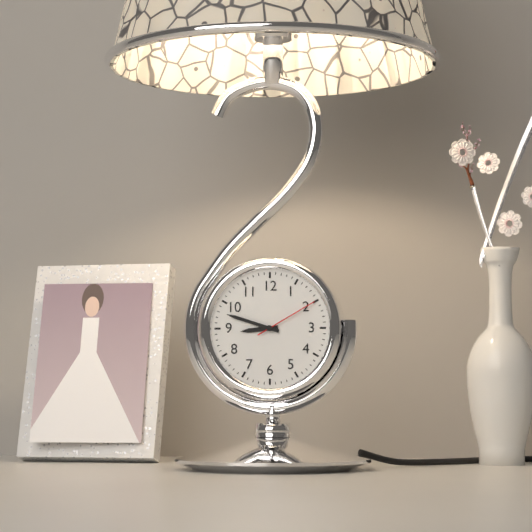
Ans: 8:48:10
